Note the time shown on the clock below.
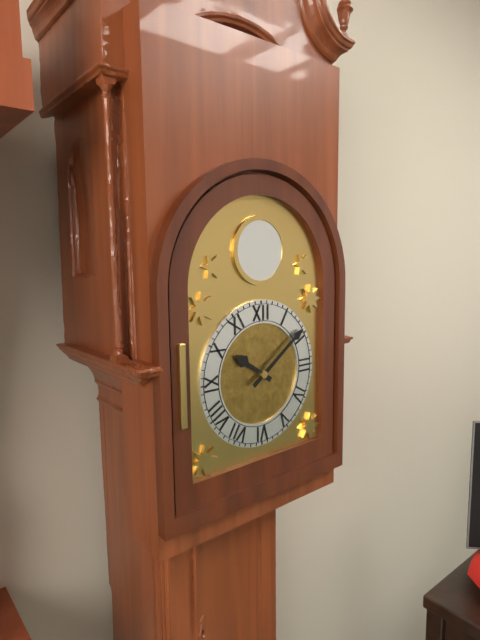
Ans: 10:09
